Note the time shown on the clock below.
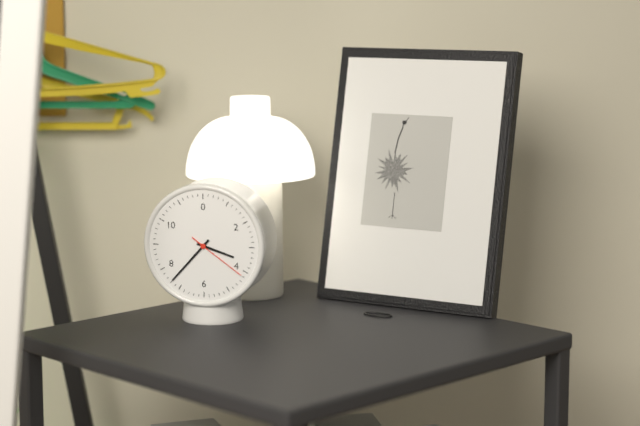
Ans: 3:37:21
